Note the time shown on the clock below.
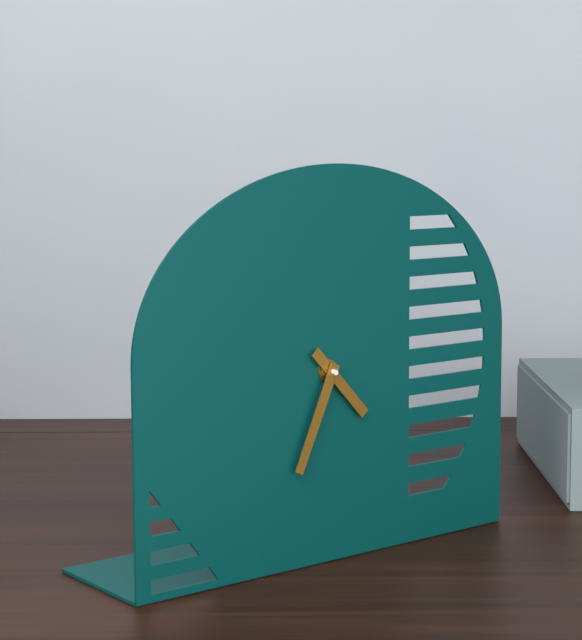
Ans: 4:34
